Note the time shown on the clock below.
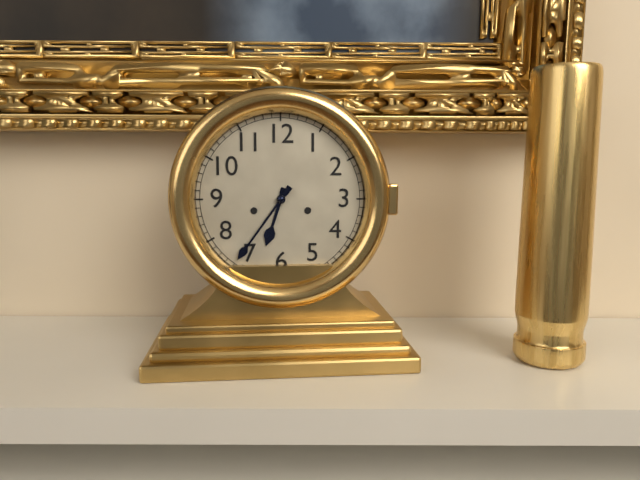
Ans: 6:36
